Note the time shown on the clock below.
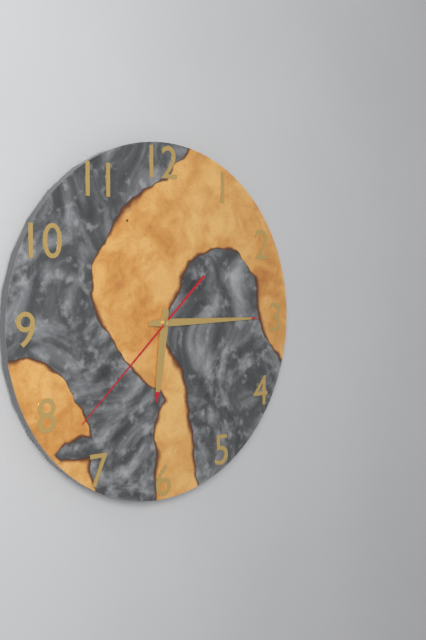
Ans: 6:15:38
